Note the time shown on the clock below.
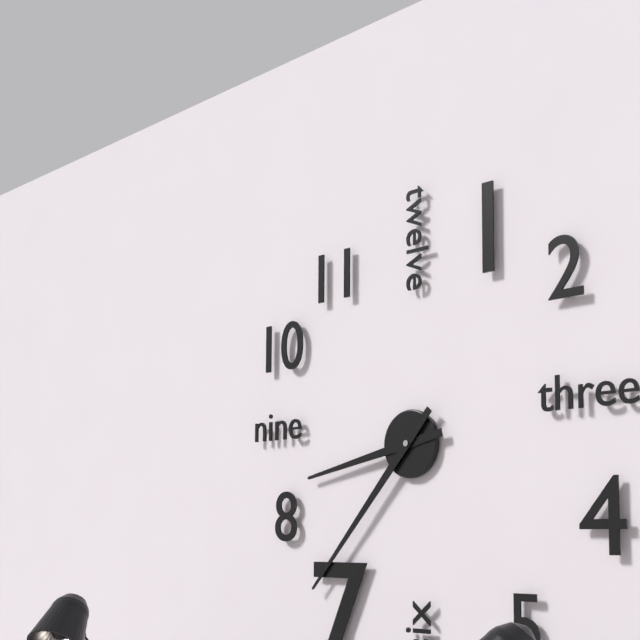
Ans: 8:37
